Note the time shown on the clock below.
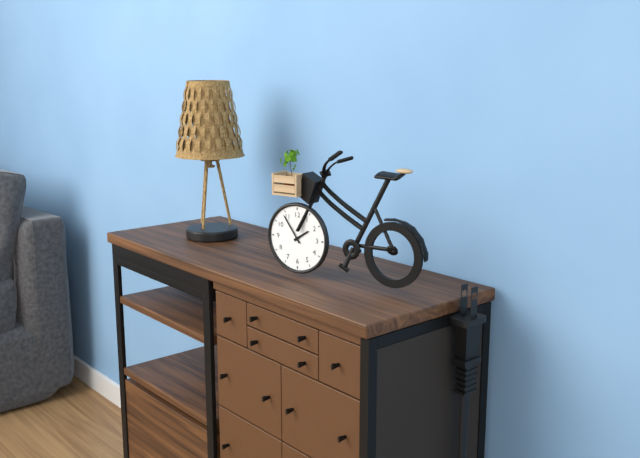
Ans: 1:54
